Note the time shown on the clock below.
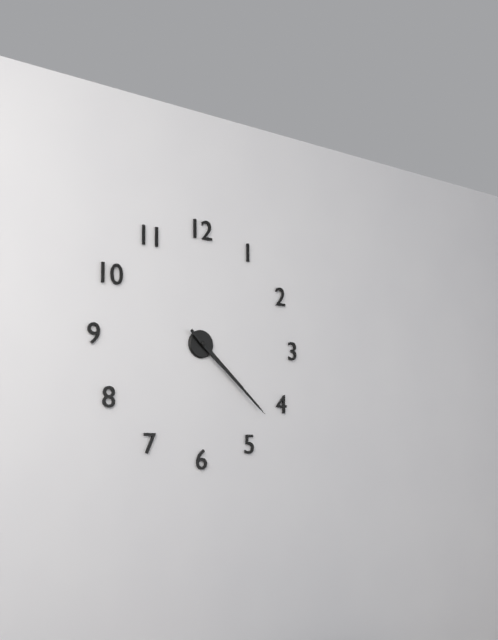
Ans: 4:22
